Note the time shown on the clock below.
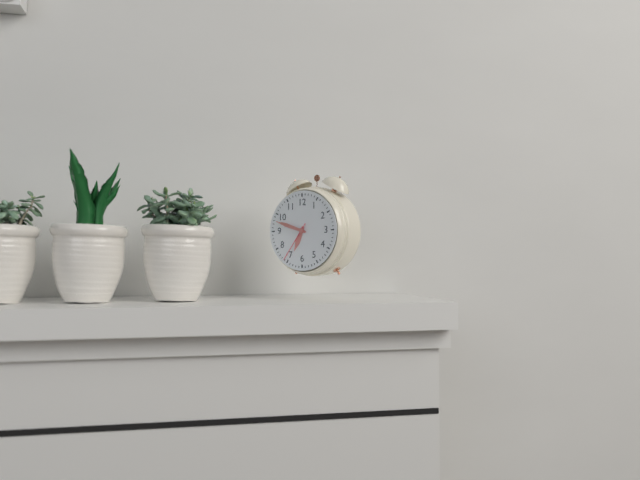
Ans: 6:48
